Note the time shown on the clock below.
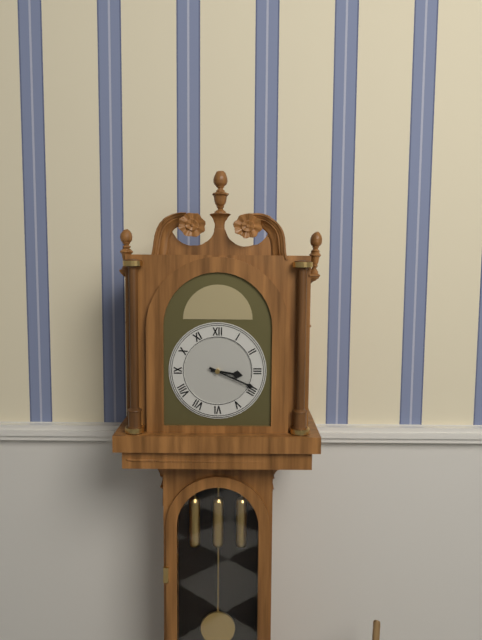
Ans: 3:19
